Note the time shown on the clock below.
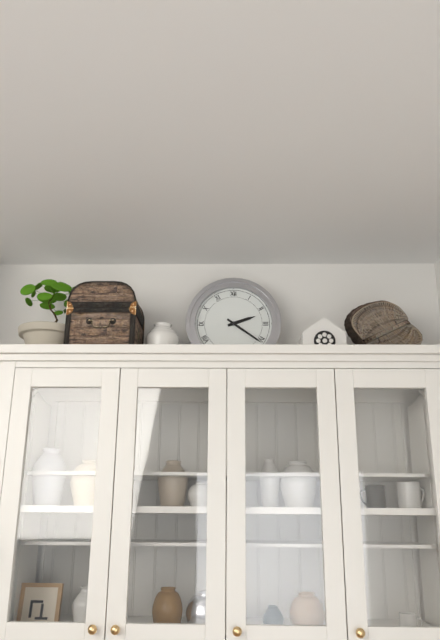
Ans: 2:21
